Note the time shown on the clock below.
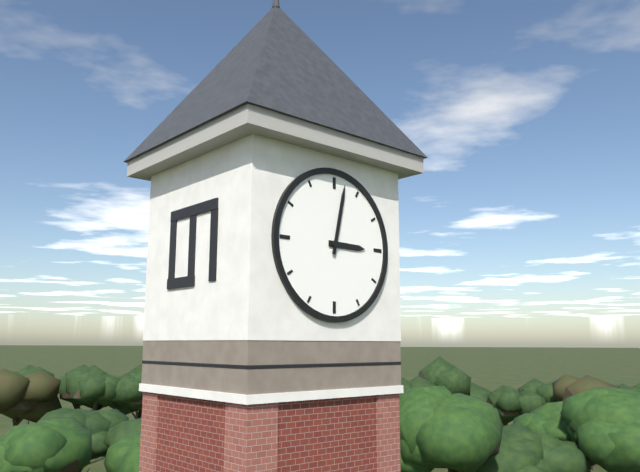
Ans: 3:02
